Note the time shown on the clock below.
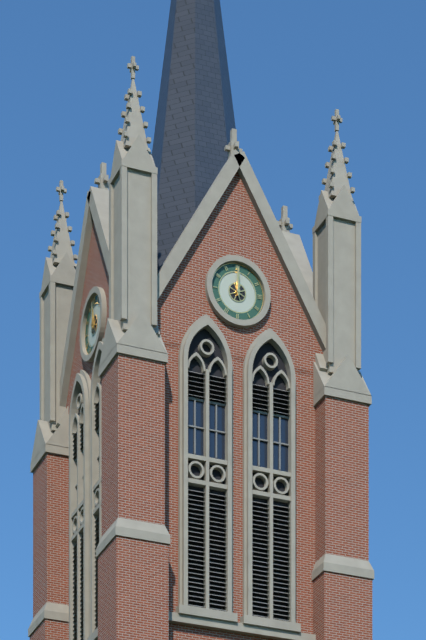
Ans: 12:00
